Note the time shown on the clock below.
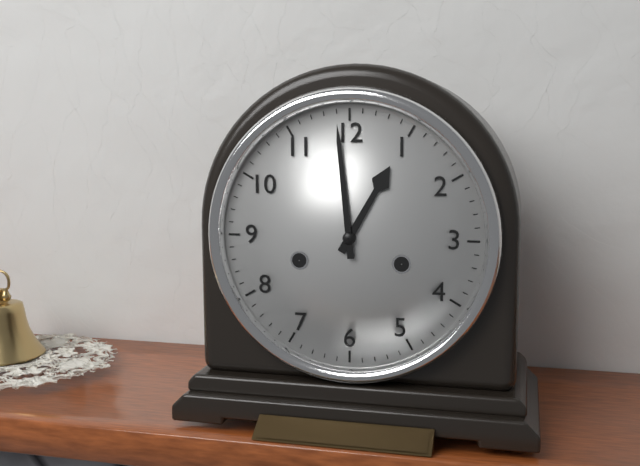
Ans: 12:59
